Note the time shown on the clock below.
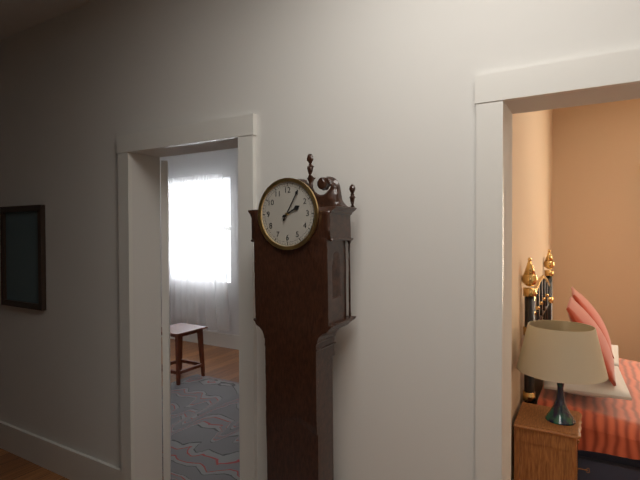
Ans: 2:05
